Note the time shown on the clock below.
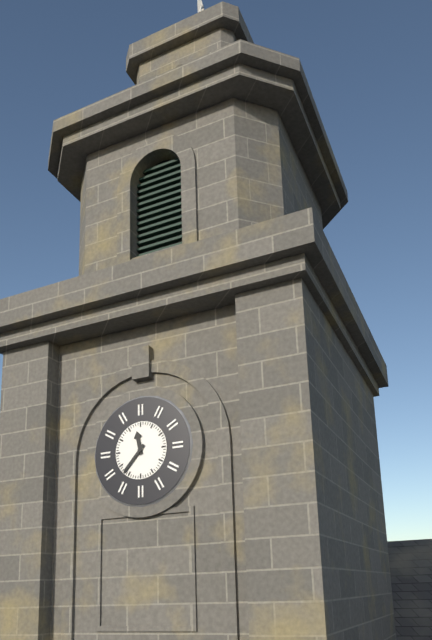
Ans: 11:37
